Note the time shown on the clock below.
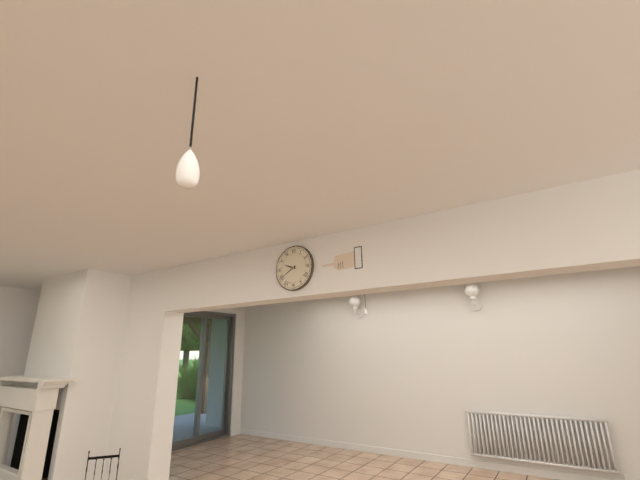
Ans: 9:40
